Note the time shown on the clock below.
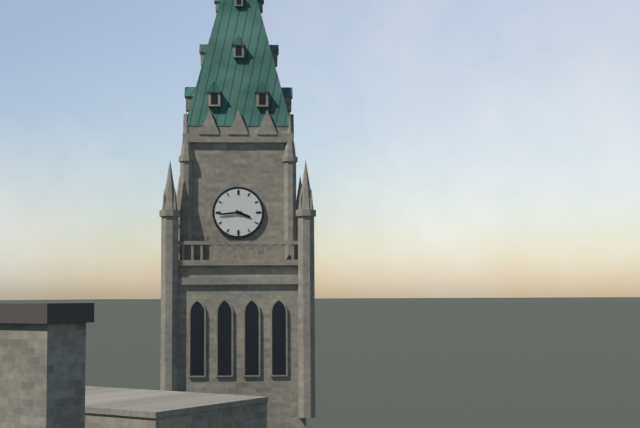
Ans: 3:44
